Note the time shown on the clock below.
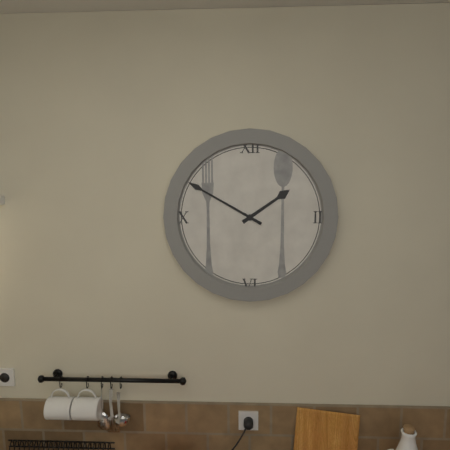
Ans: 1:50
